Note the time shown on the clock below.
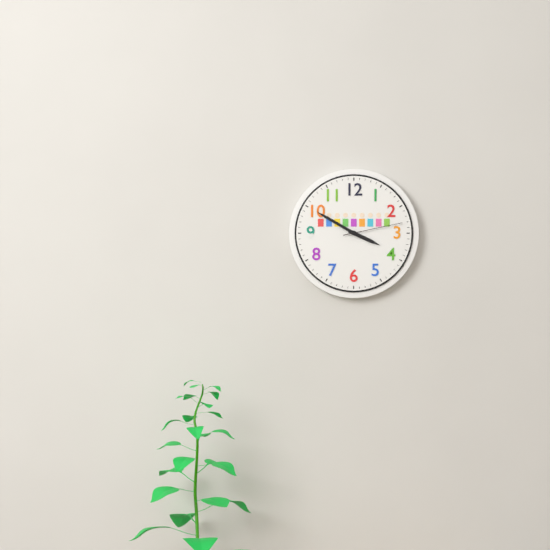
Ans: 3:50:13
